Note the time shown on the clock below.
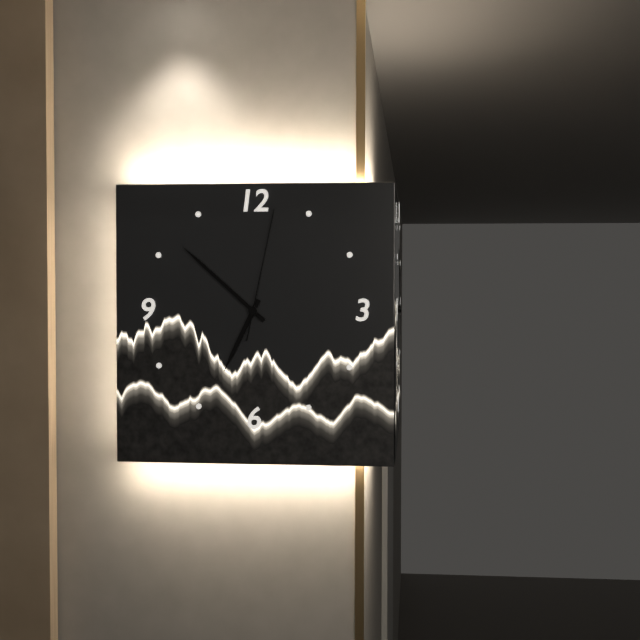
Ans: 6:52:02
